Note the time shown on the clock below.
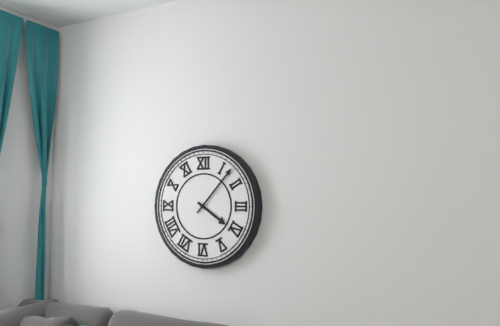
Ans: 4:07
